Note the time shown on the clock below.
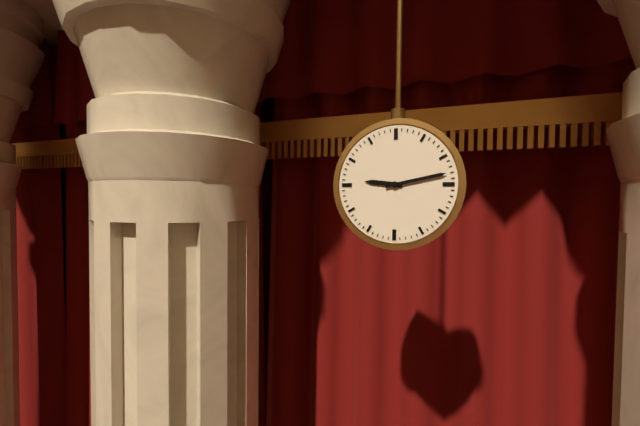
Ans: 9:13
